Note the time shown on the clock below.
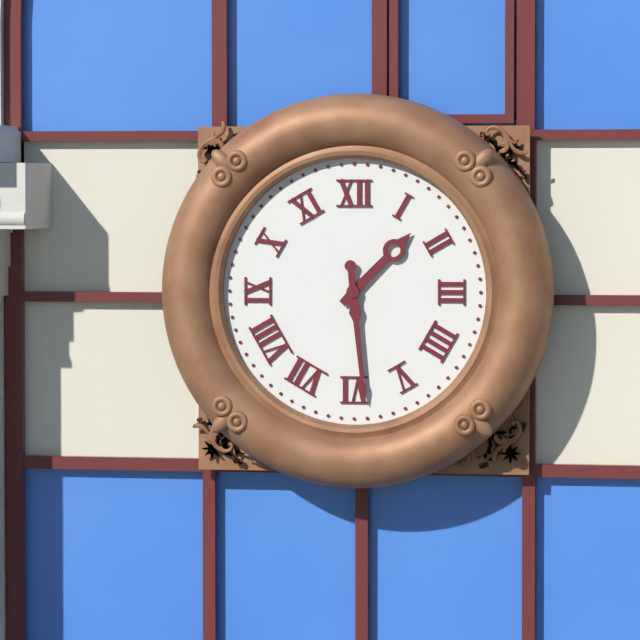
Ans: 1:29
